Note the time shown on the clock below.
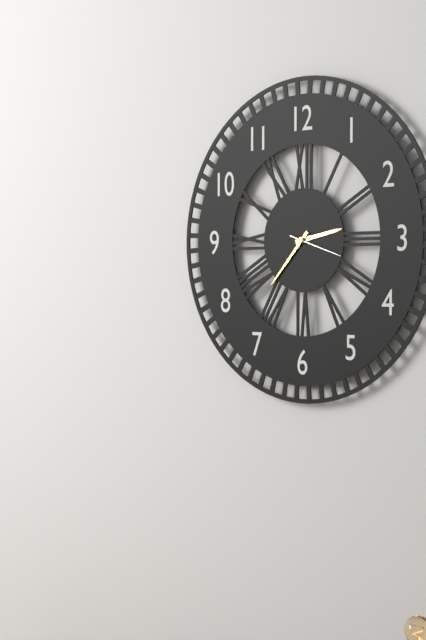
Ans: 2:37:18
